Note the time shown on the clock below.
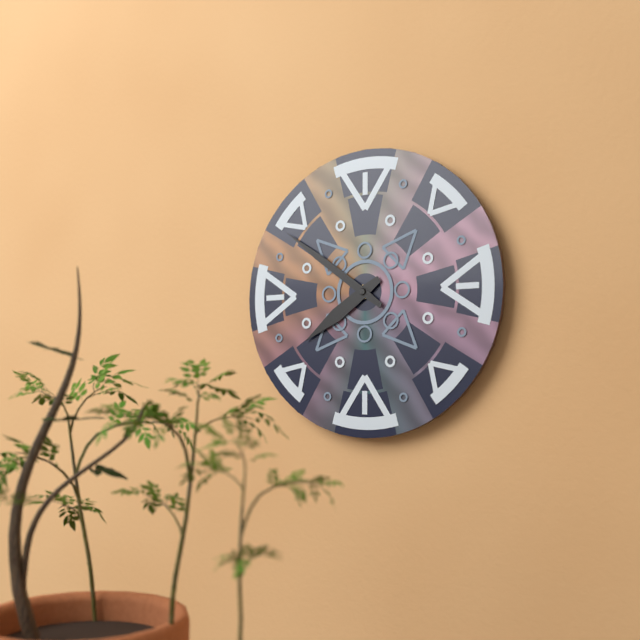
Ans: 7:51
